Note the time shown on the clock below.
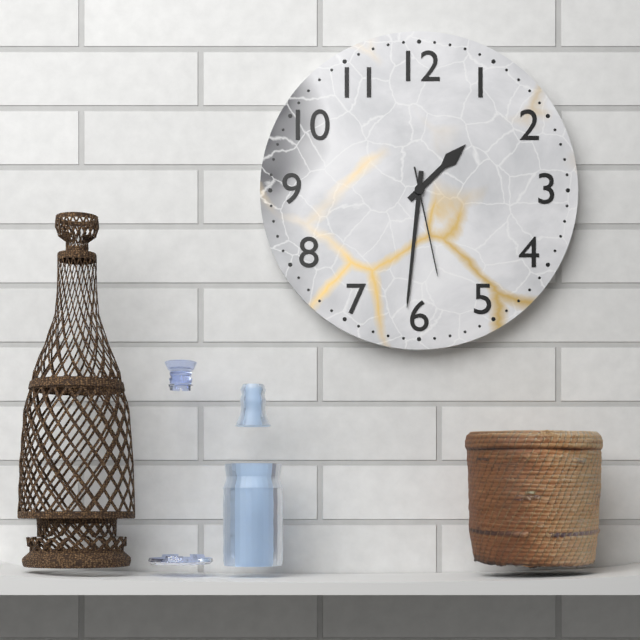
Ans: 1:31:28
